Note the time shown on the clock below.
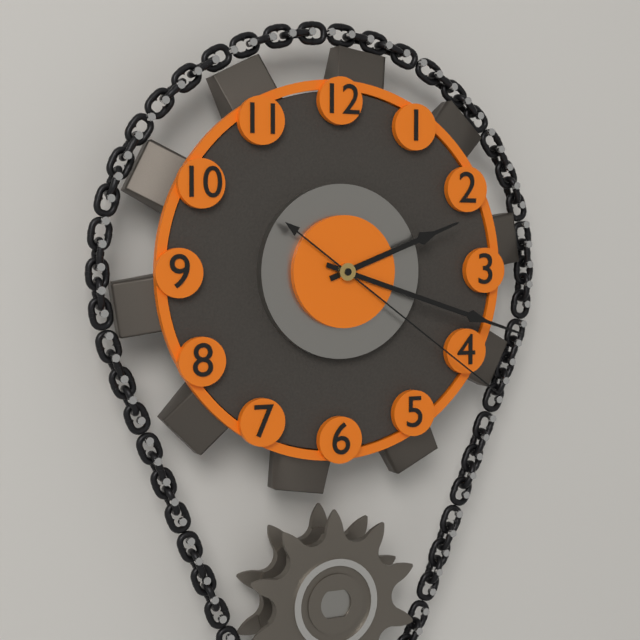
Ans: 2:18:21
